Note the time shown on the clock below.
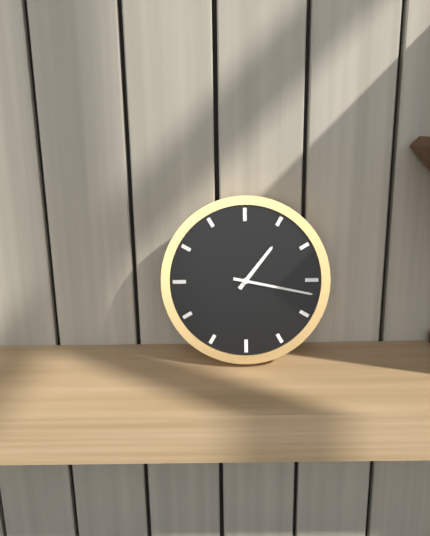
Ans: 1:17
